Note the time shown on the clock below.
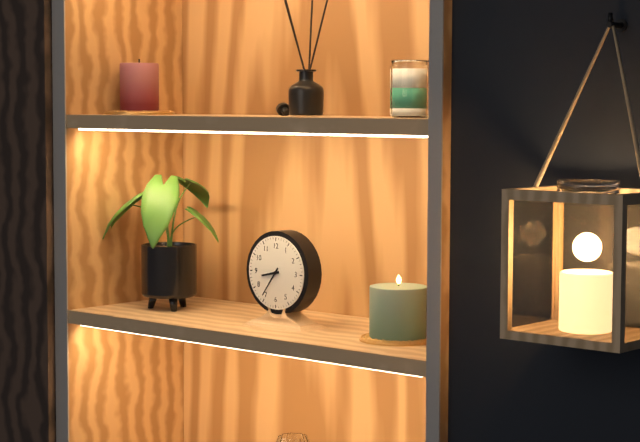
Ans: 8:36
